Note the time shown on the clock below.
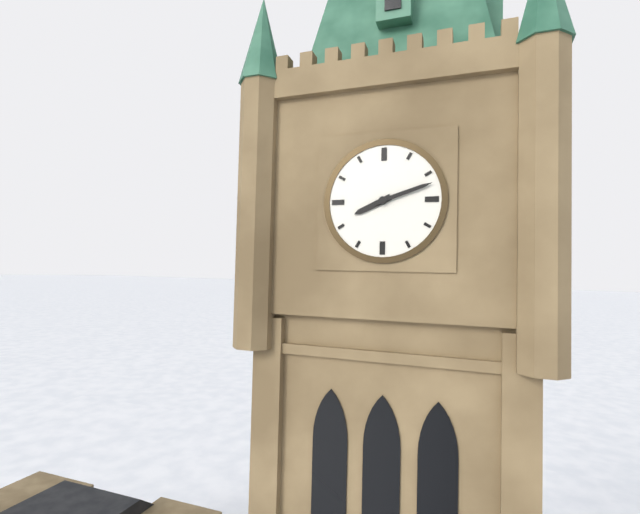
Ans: 8:12
